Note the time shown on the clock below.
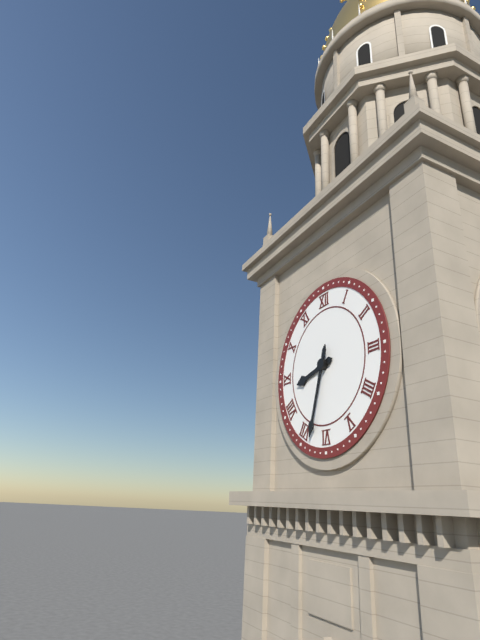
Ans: 8:33
